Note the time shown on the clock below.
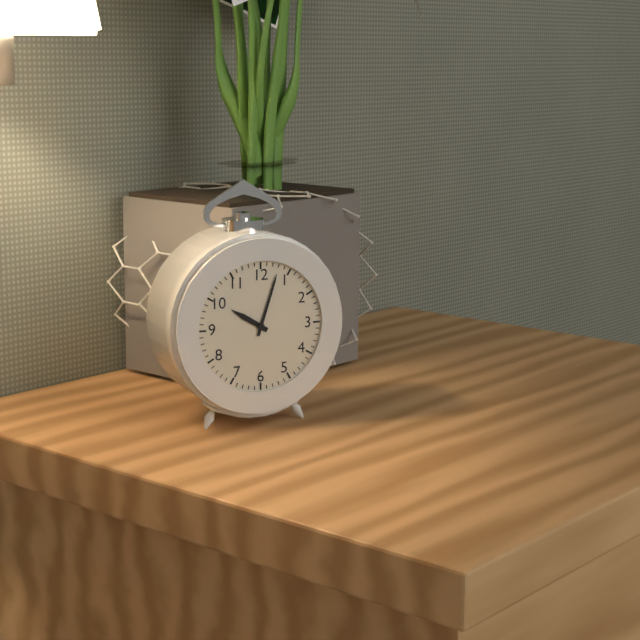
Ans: 10:03
